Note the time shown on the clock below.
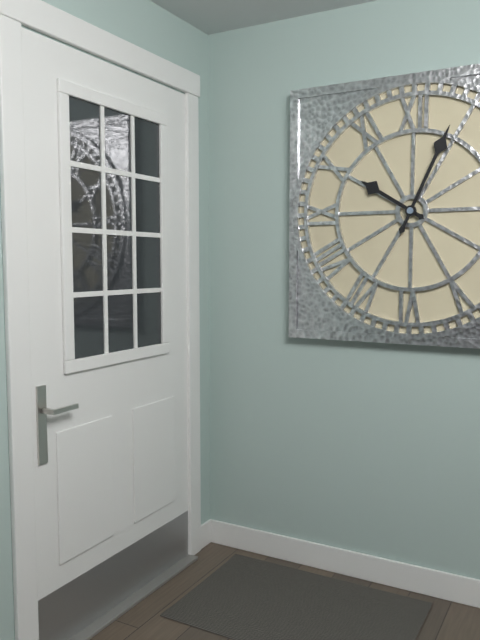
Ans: 10:04
